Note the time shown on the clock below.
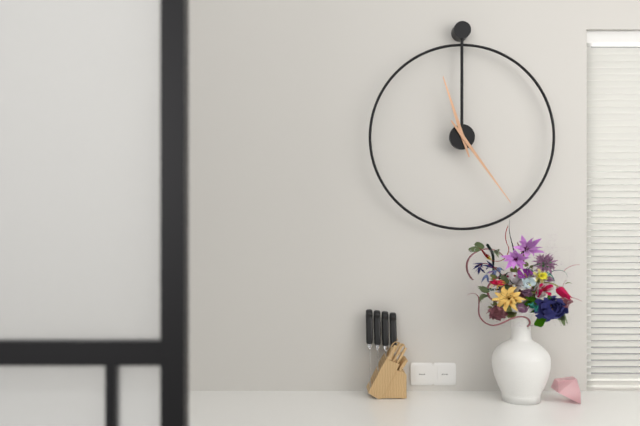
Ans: 11:24
